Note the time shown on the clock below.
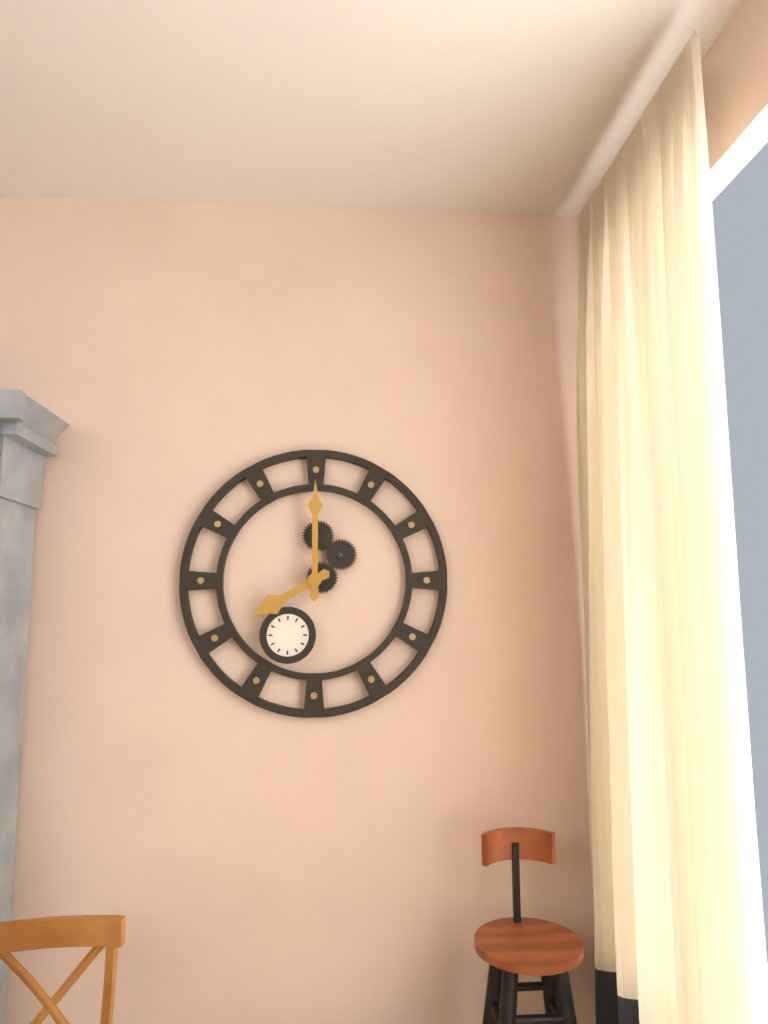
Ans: 8:00
